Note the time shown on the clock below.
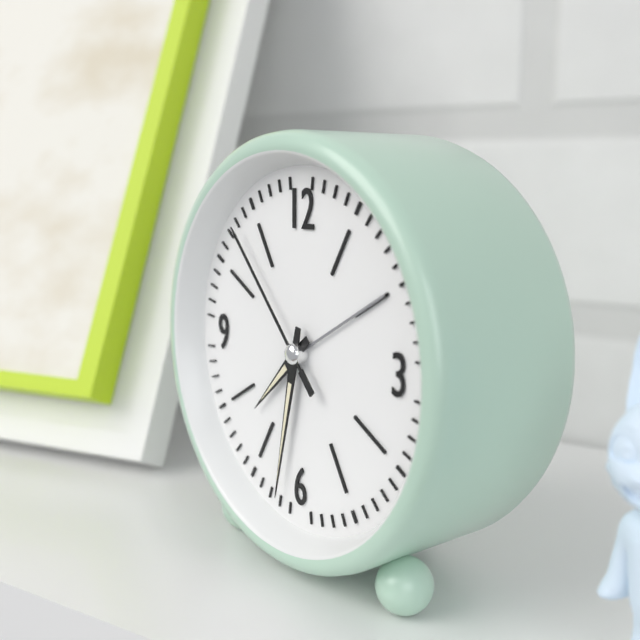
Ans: 7:32:53
